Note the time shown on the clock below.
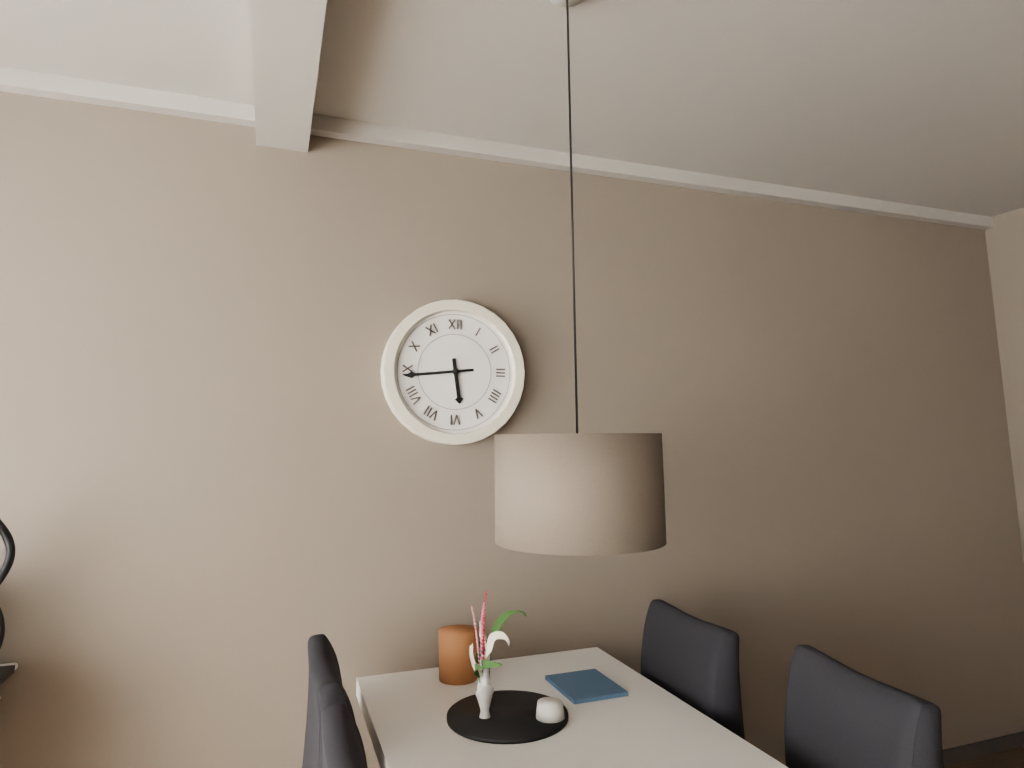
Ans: 5:44
